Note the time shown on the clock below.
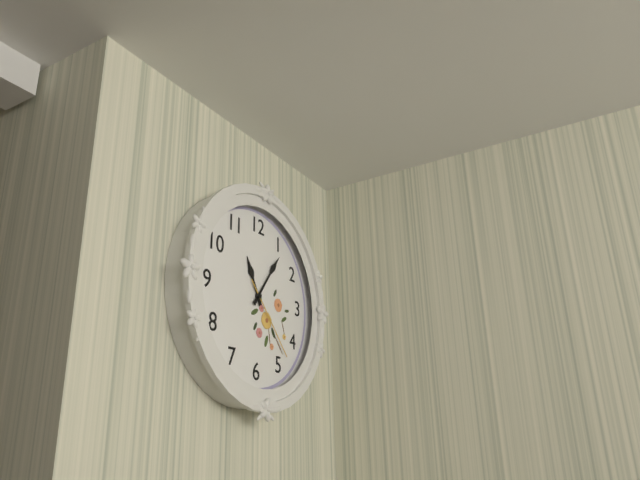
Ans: 11:06:23
